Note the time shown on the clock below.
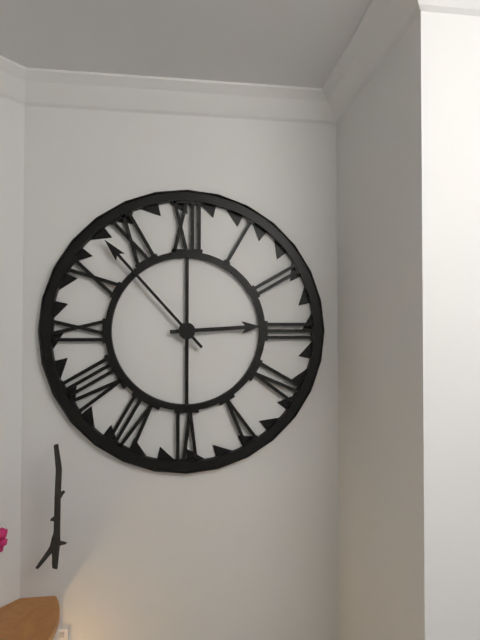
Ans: 2:53
